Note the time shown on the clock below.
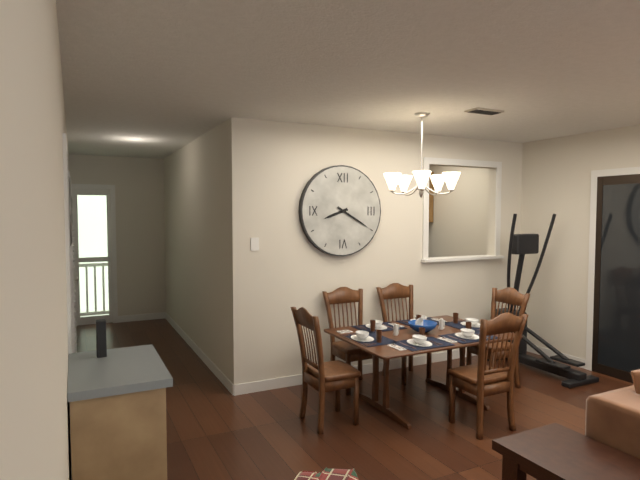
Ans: 8:20
